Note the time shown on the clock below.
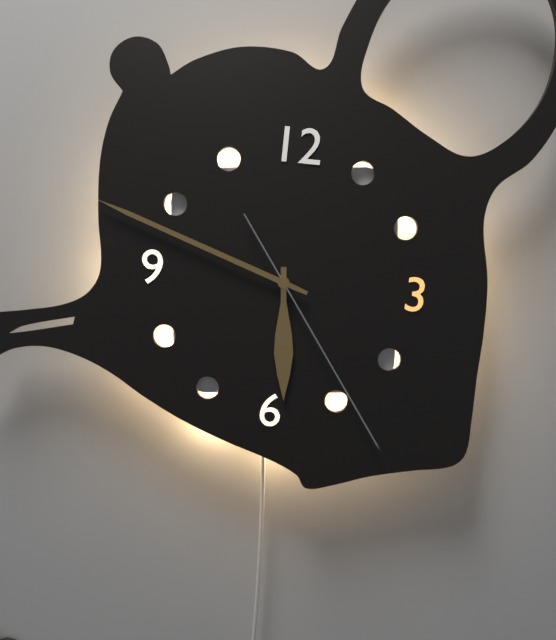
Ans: 5:48:24
